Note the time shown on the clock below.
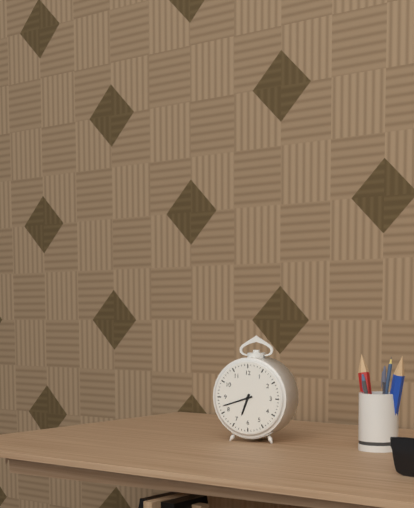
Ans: 6:42
